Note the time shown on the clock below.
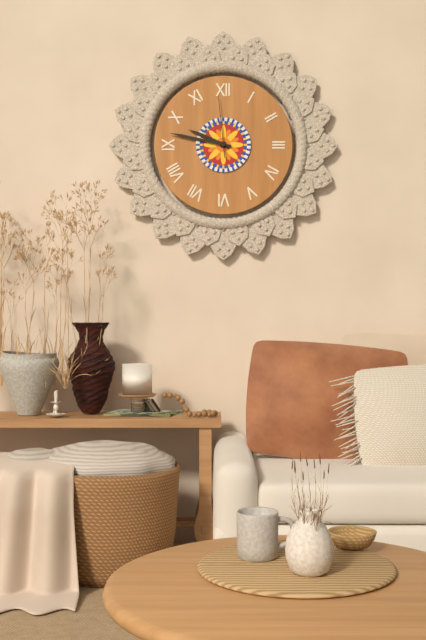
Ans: 9:47:59
